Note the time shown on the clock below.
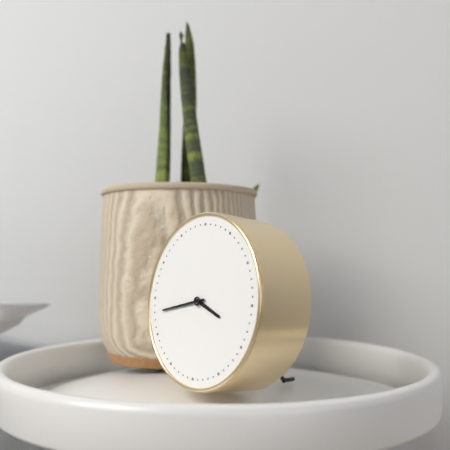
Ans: 3:43
